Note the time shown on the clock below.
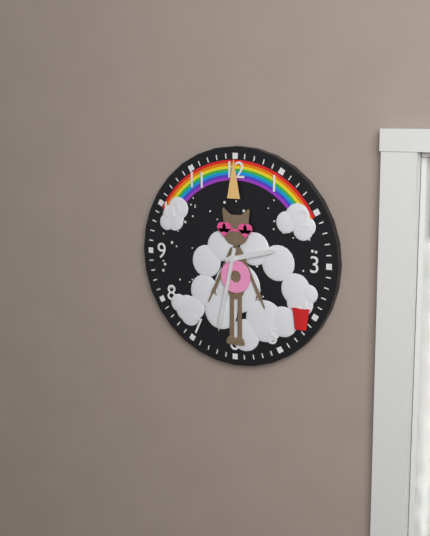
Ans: 2:32
